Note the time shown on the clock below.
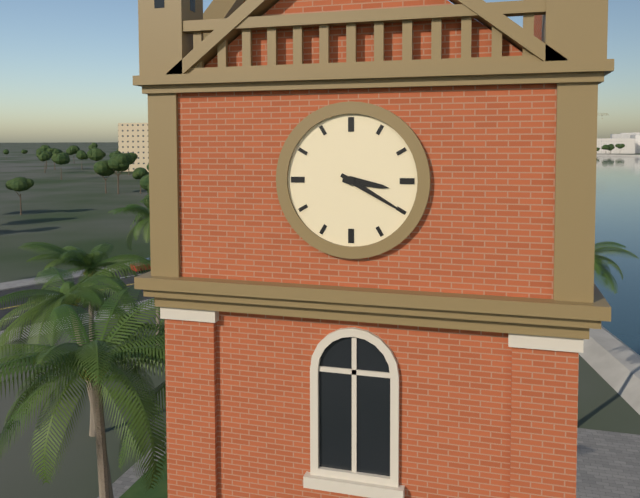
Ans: 3:20
